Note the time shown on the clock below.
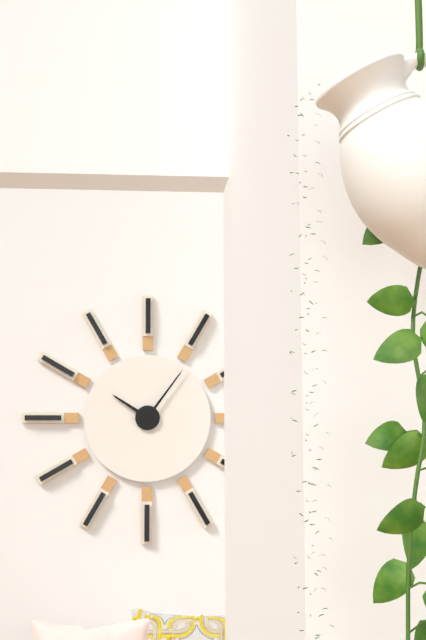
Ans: 10:06
